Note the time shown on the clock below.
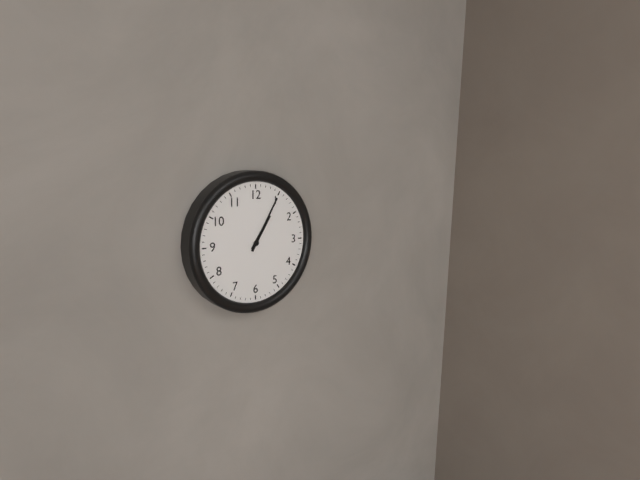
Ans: 1:05
